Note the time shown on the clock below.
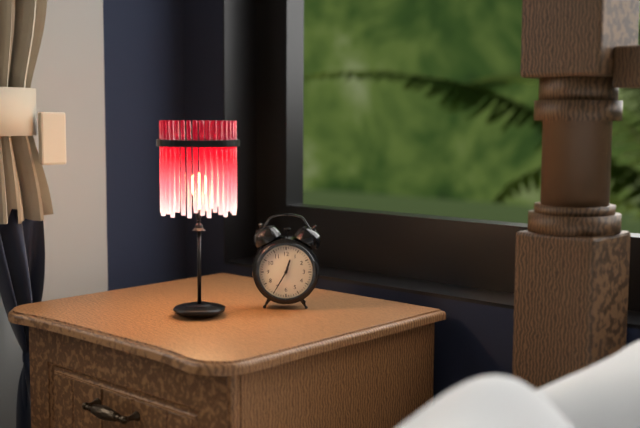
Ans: 12:35
